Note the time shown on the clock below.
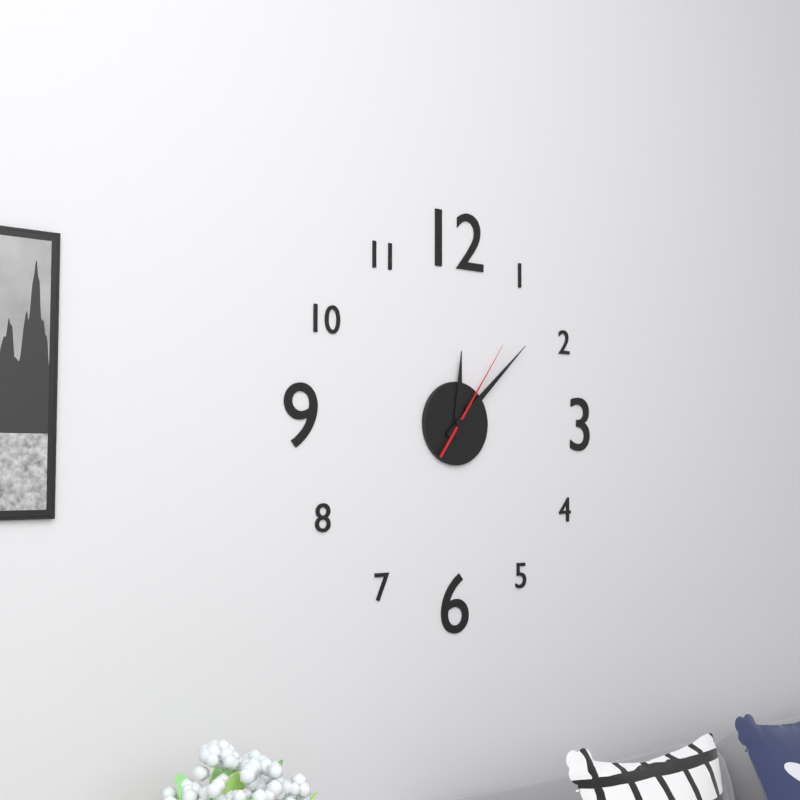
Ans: 12:08:06
